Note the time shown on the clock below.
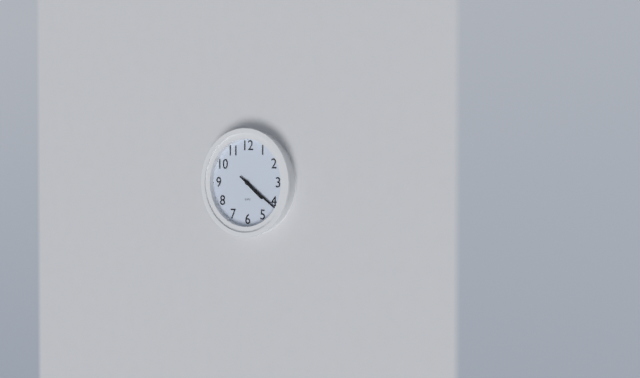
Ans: 4:21
